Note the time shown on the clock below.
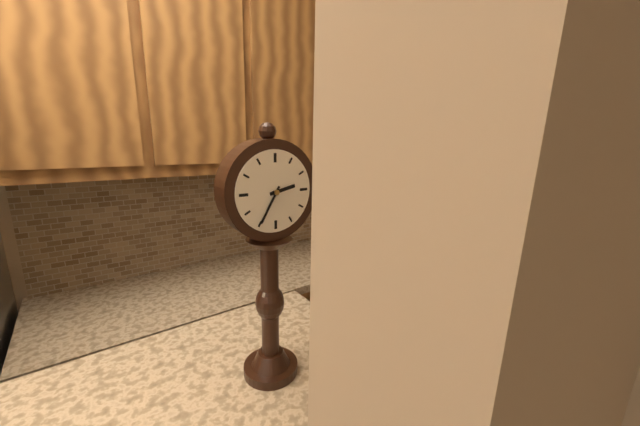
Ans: 2:35
